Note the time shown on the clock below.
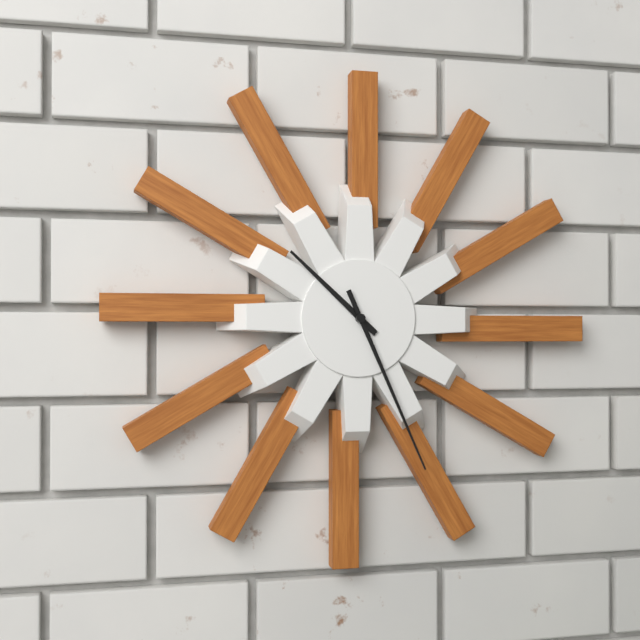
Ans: 10:26
